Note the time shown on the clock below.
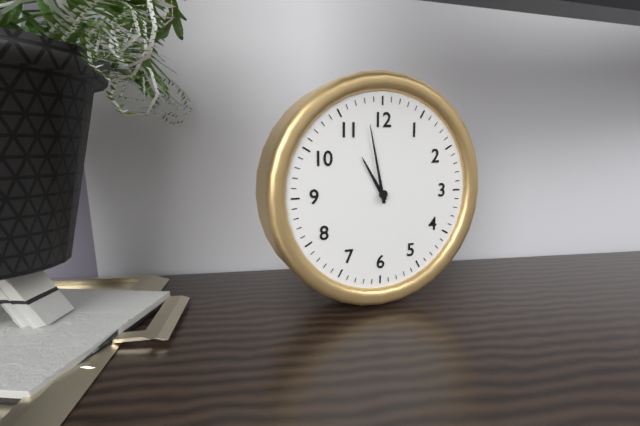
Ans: 10:58
